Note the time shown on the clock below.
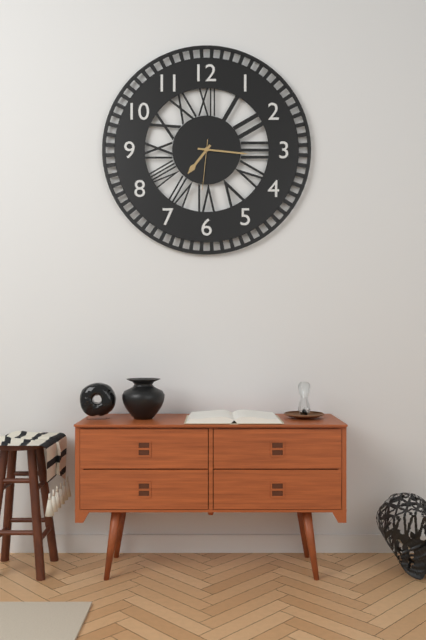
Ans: 7:16
